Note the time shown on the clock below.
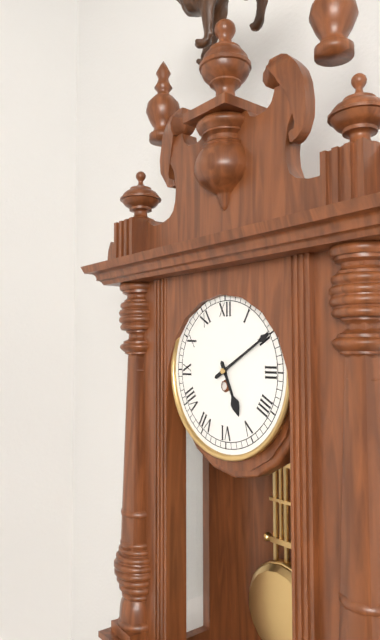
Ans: 5:10
